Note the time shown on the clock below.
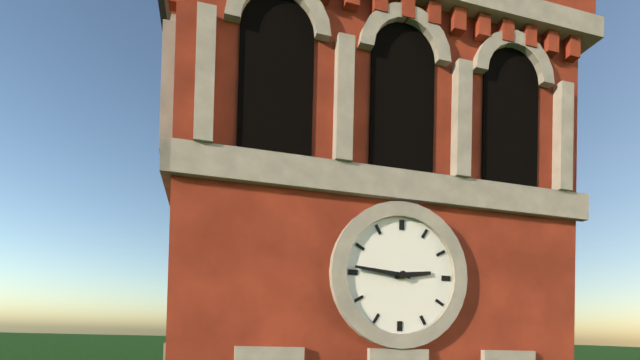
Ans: 2:46
